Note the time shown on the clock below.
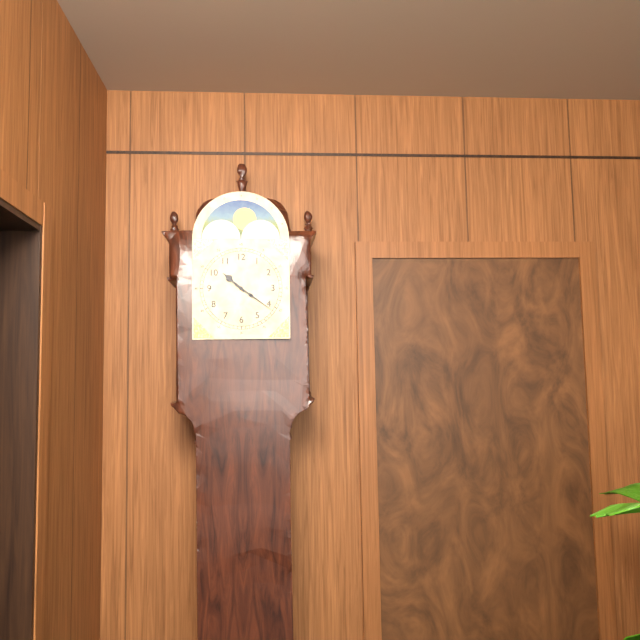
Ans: 10:21
